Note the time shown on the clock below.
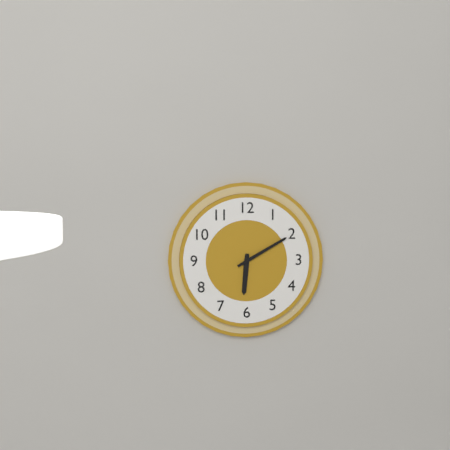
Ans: 6:10
